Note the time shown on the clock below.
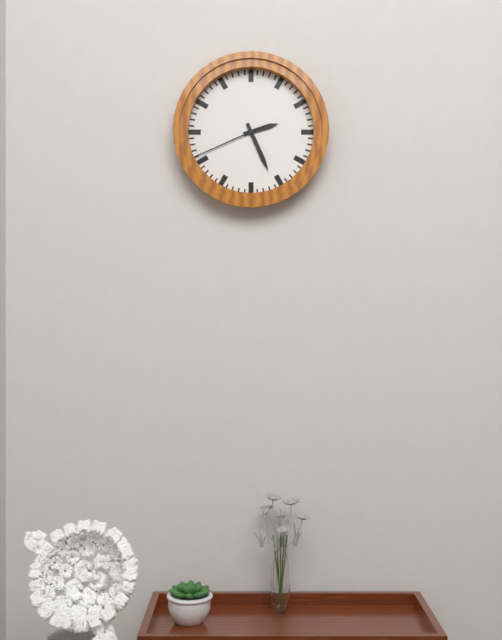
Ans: 2:26:41
